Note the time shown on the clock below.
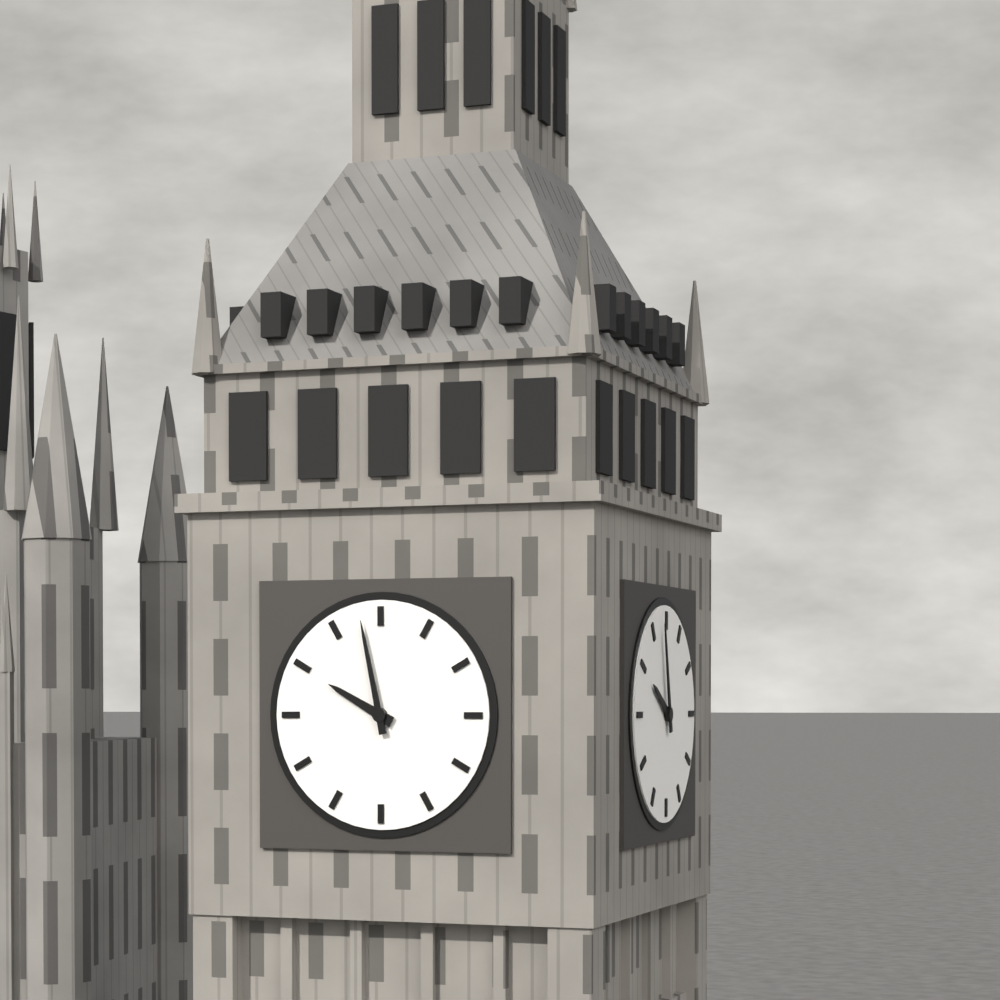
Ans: 9:58
